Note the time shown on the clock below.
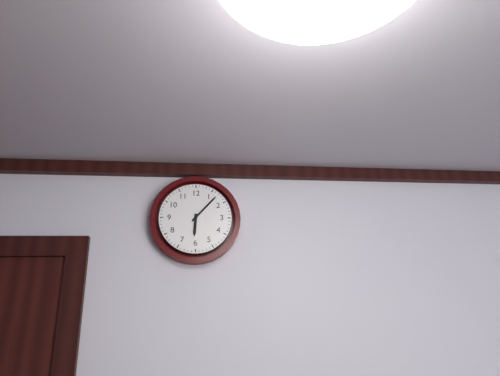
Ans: 6:07
